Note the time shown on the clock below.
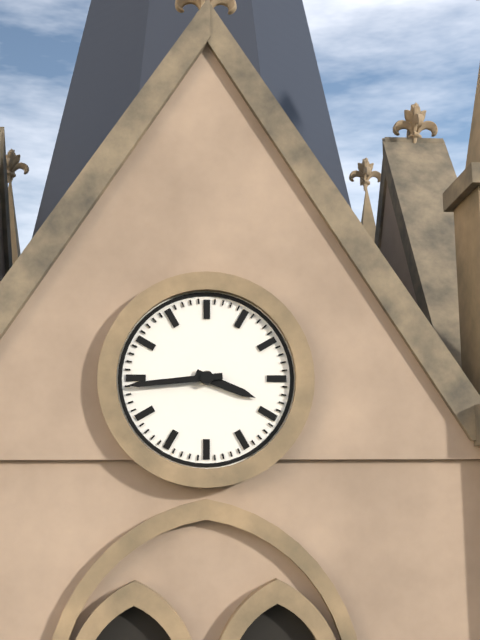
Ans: 3:44
